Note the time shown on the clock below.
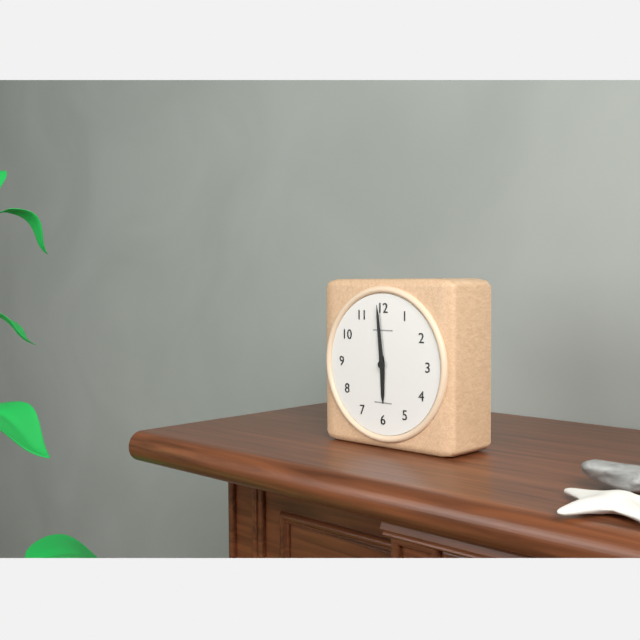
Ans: 5:59
